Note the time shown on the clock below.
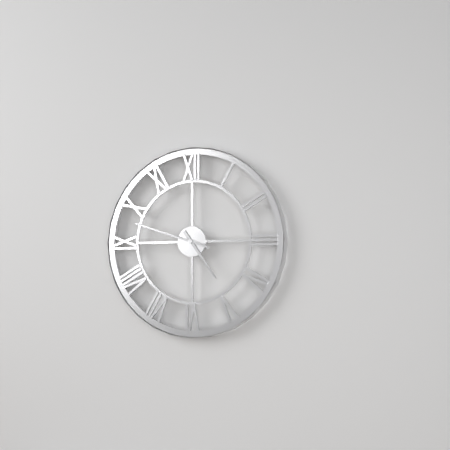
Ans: 4:48
